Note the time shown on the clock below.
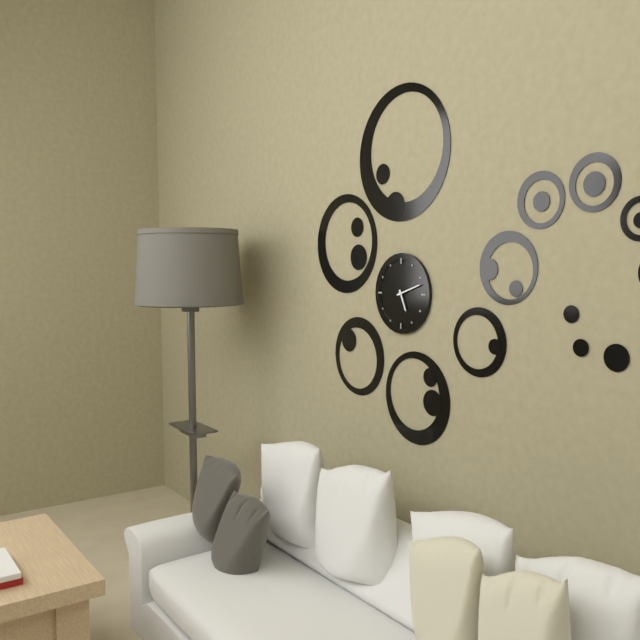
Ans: 5:12
